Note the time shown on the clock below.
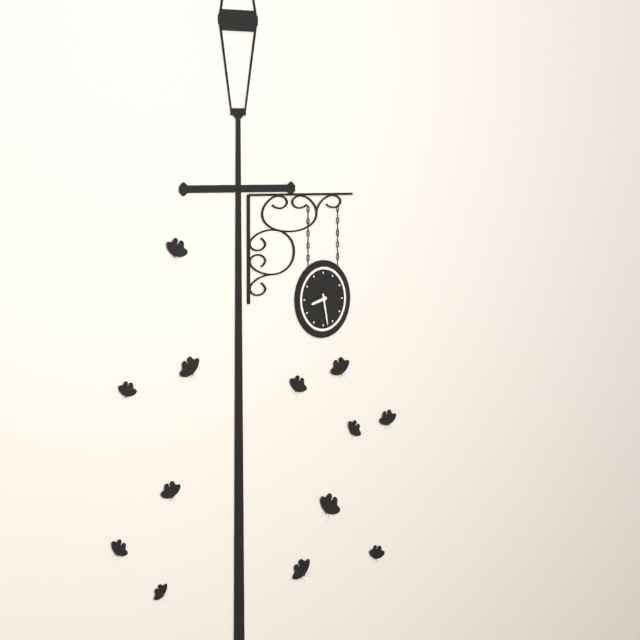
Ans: 8:28
